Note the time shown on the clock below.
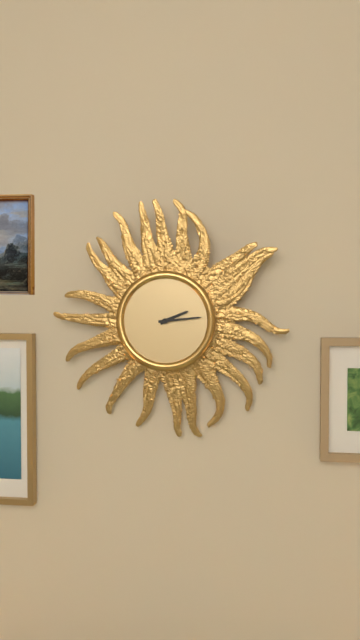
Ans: 2:14
